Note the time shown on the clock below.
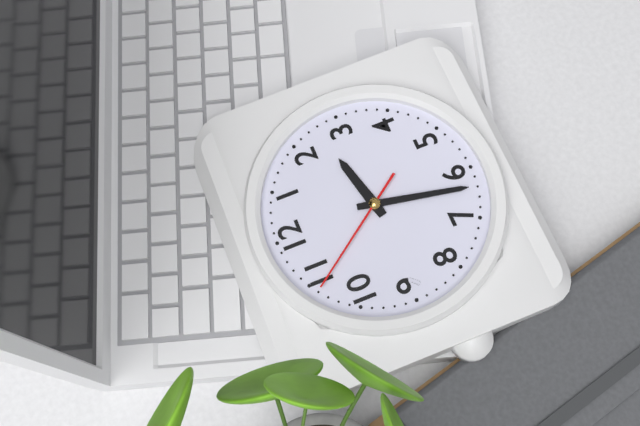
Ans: 2:32:54
